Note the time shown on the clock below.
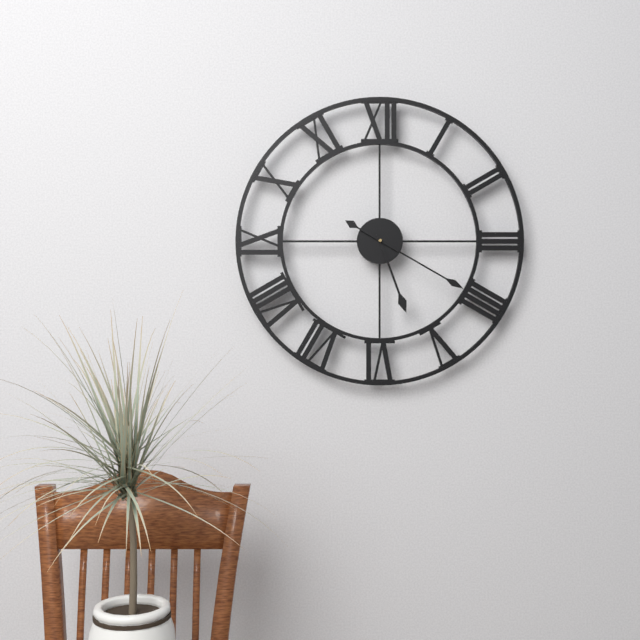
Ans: 5:20
